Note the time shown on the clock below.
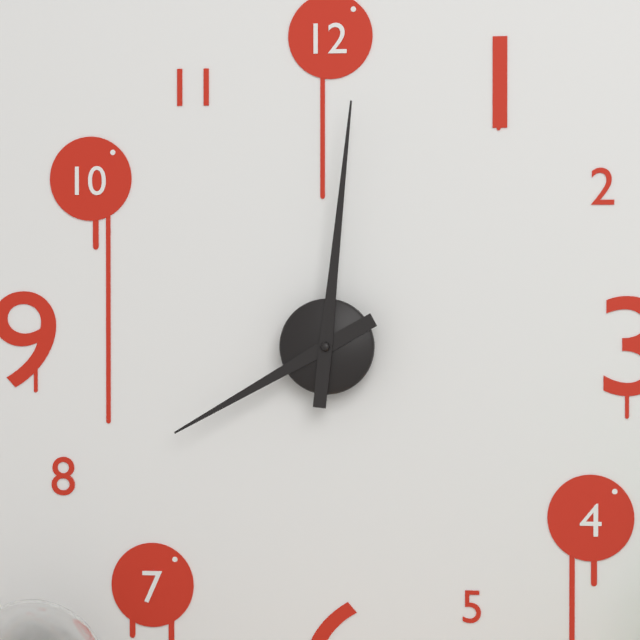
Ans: 8:01
